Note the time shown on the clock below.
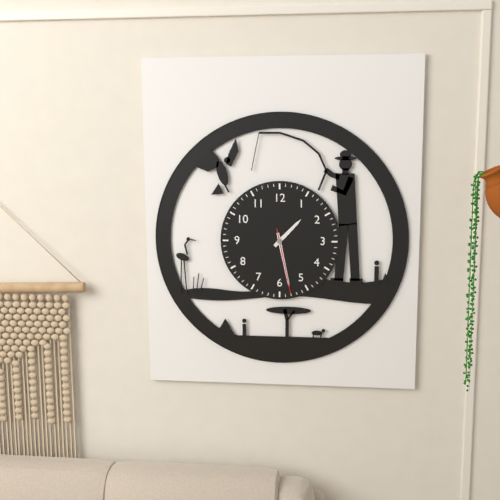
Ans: 1:28:28
